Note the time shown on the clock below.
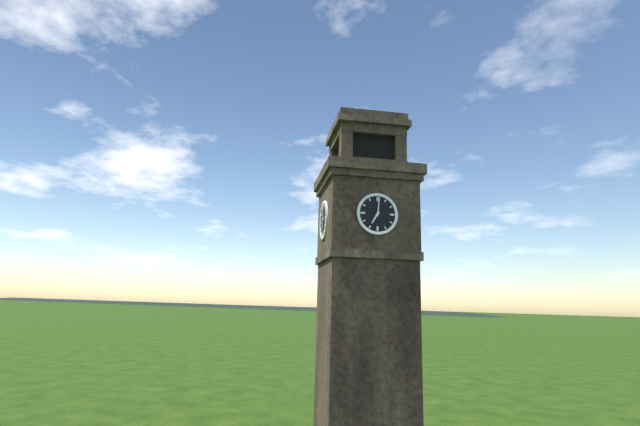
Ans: 7:01
